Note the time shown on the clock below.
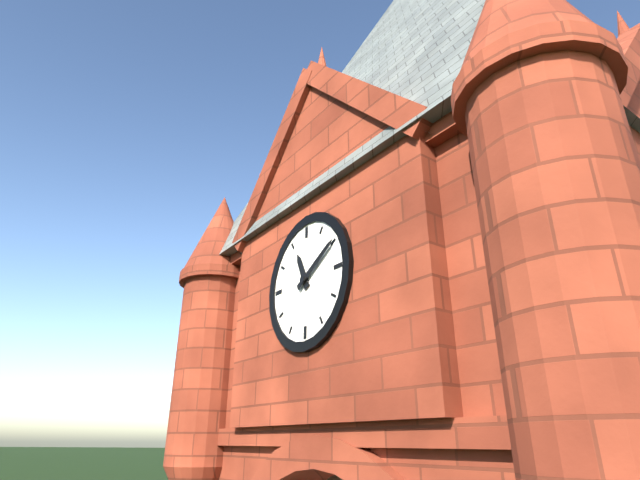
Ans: 11:10
